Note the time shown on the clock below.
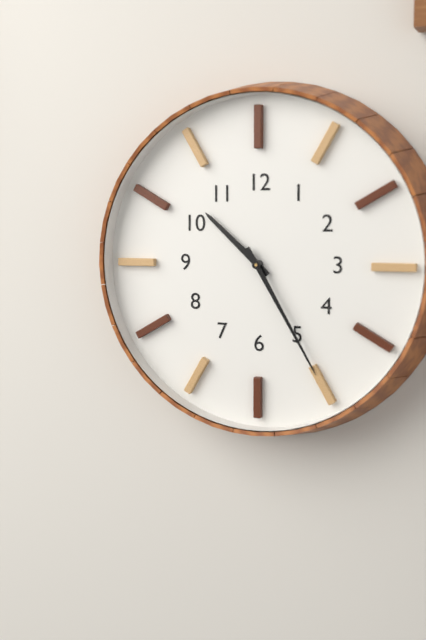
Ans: 10:25
